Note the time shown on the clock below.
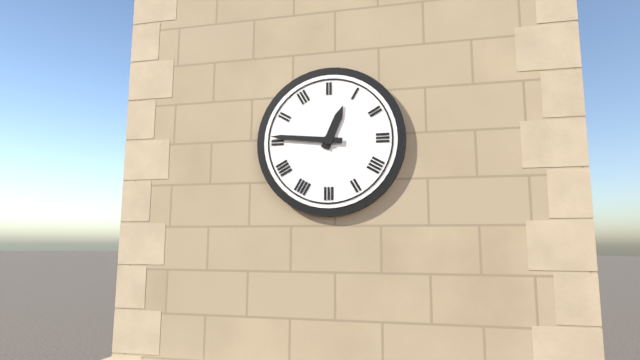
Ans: 12:46
